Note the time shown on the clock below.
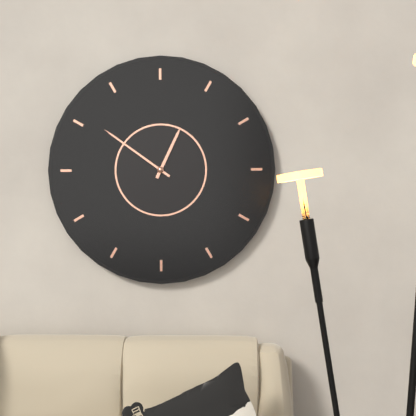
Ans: 12:51
